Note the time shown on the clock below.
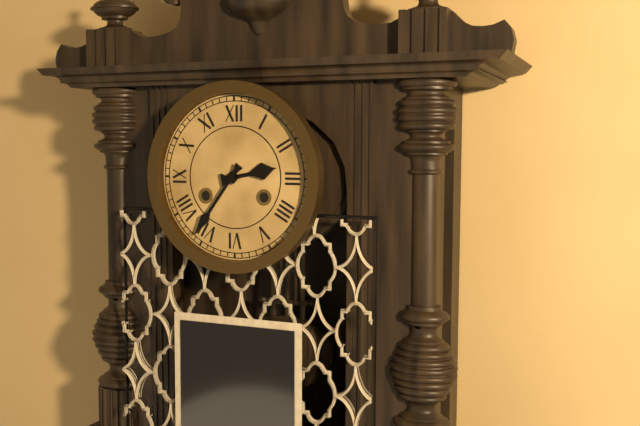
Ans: 2:36
